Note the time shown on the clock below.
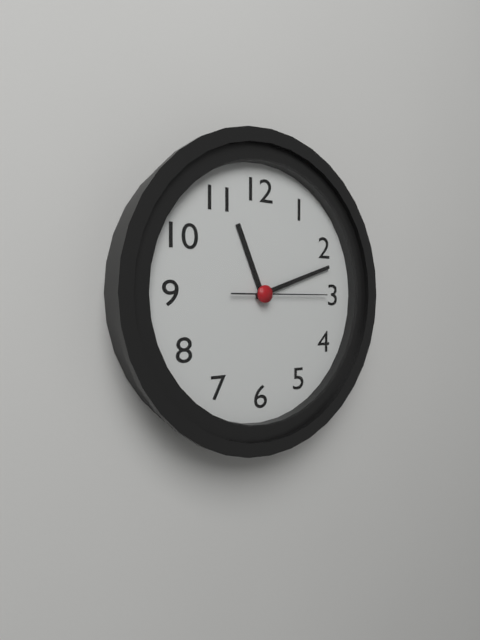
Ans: 11:12:15
